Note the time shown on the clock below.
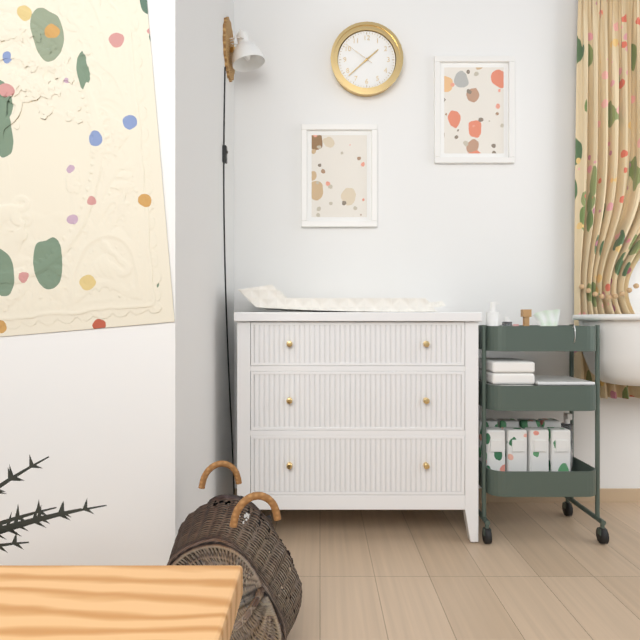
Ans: 1:38
